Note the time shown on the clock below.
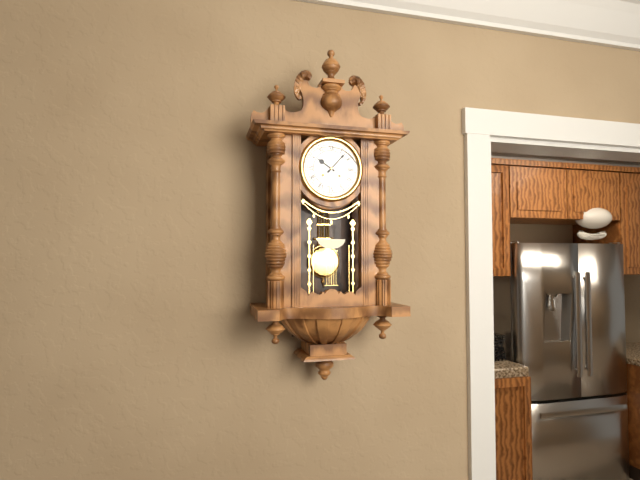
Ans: 10:07
